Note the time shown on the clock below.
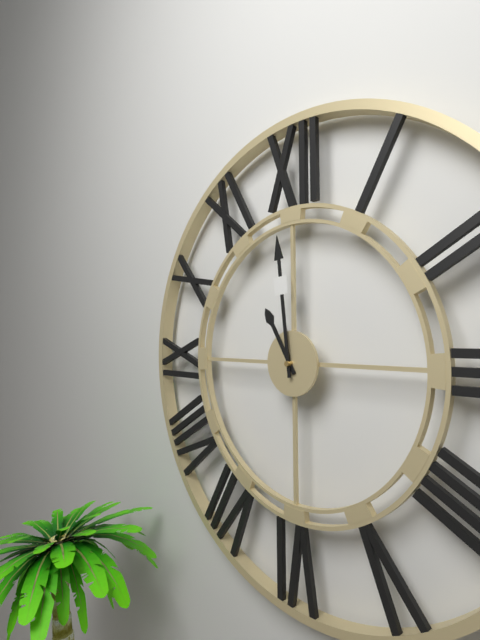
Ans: 10:59
